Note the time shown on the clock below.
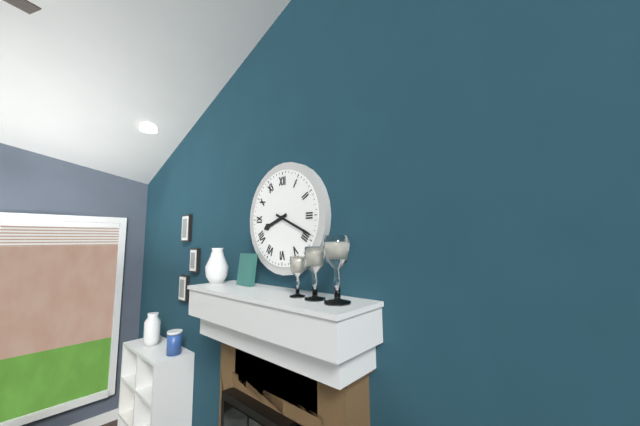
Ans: 8:19
